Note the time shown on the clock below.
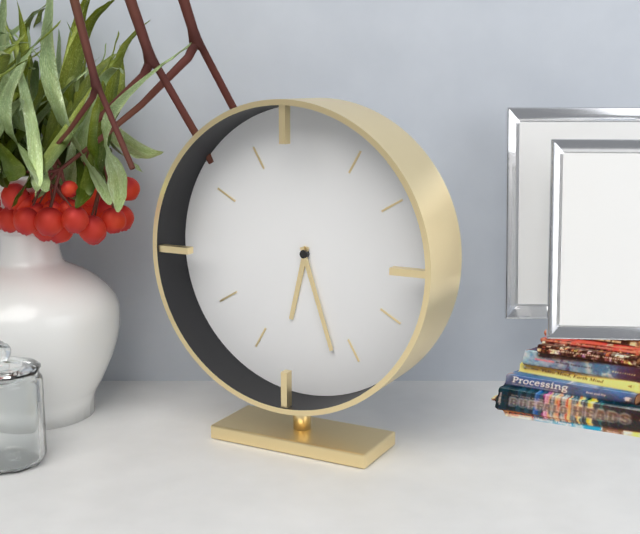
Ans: 6:27
